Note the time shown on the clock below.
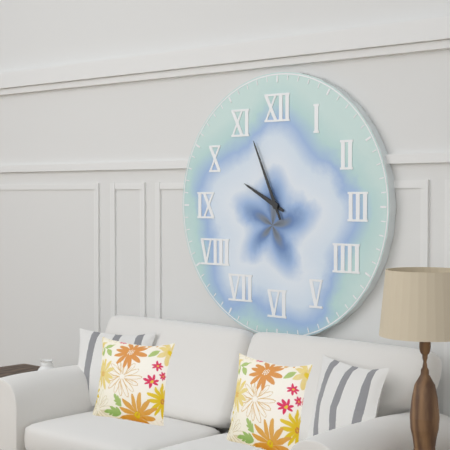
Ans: 9:56
